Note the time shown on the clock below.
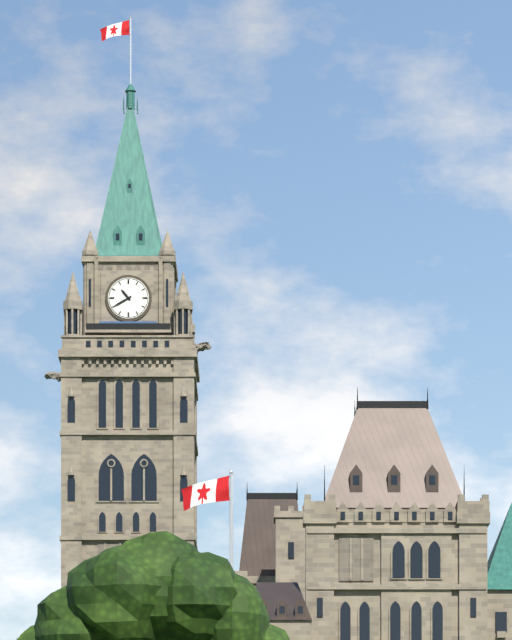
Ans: 10:40
